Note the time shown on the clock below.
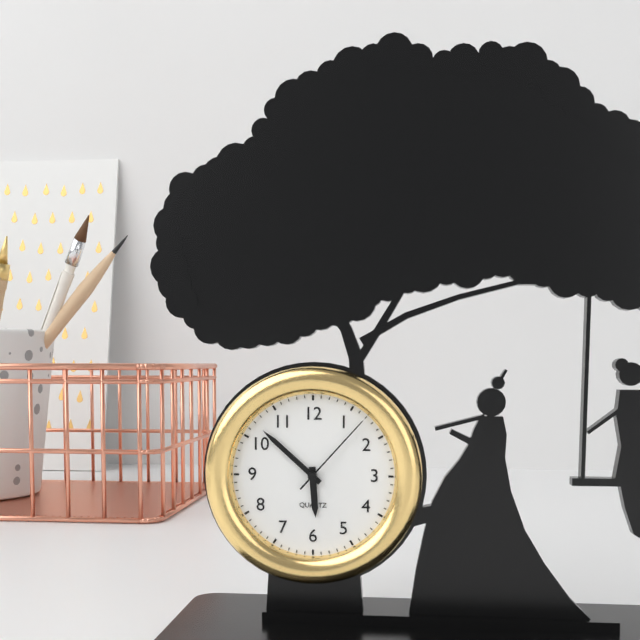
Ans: 5:52:07
